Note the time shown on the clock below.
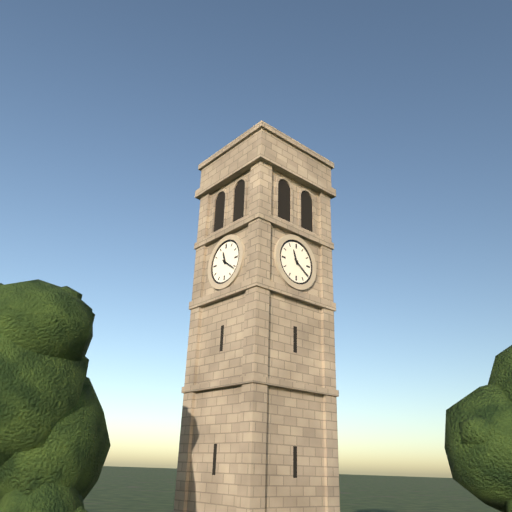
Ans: 11:21
